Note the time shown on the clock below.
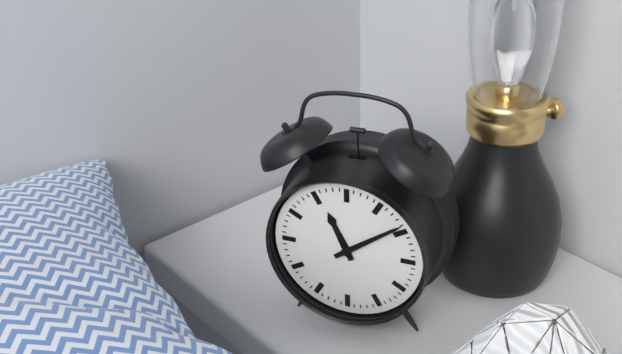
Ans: 11:09
